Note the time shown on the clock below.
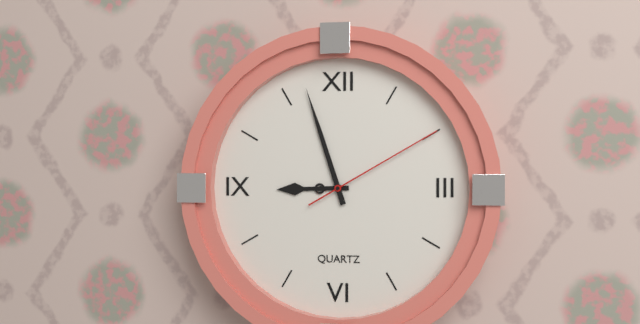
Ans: 8:57:10
